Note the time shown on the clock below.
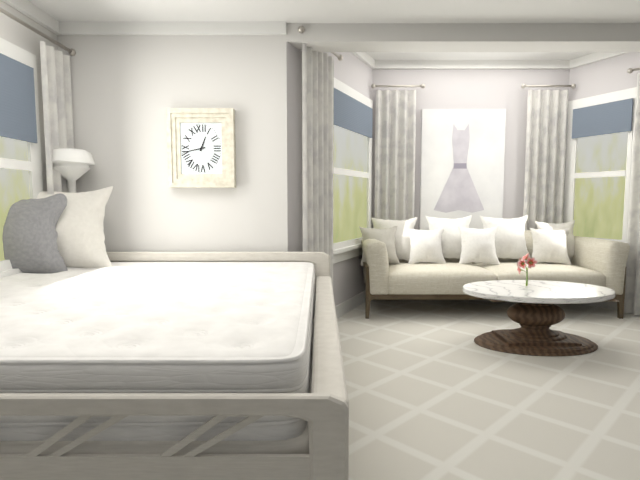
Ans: 12:43
